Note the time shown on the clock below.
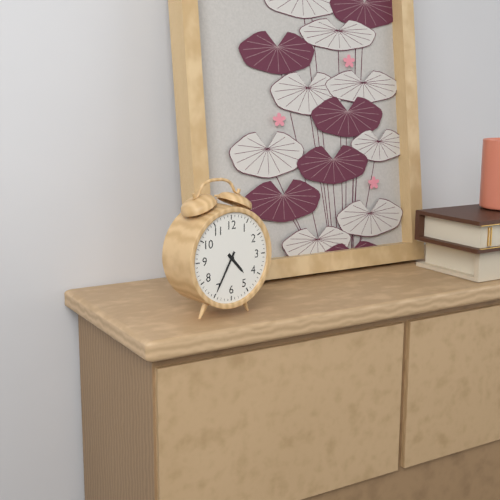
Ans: 4:35
